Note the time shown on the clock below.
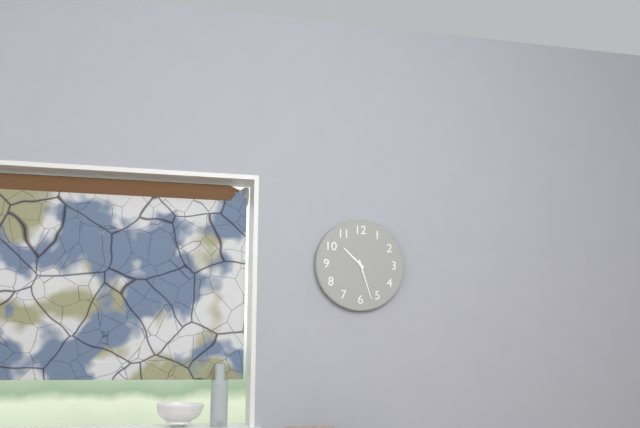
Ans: 10:27
